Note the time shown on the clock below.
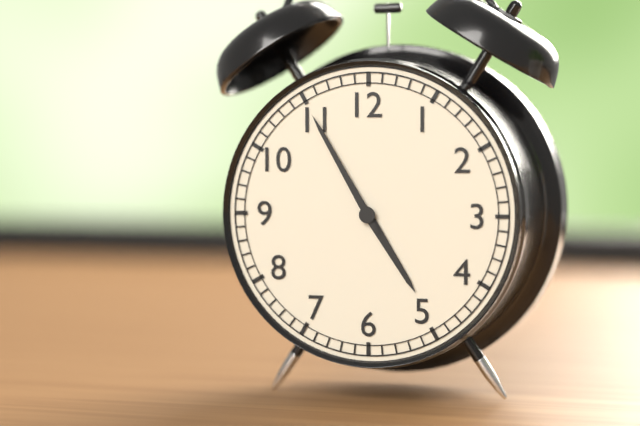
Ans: 4:55
